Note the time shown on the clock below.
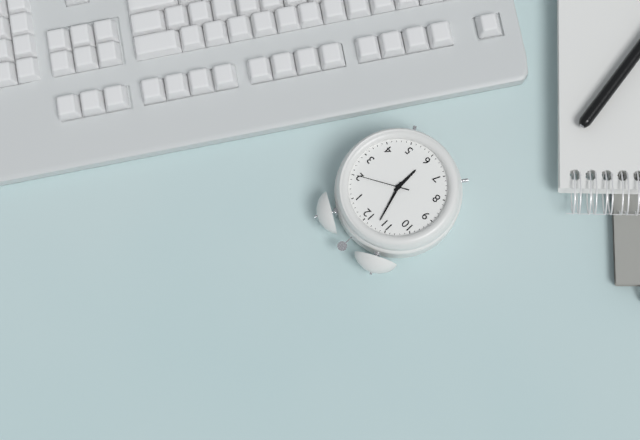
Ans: 5:57:10
